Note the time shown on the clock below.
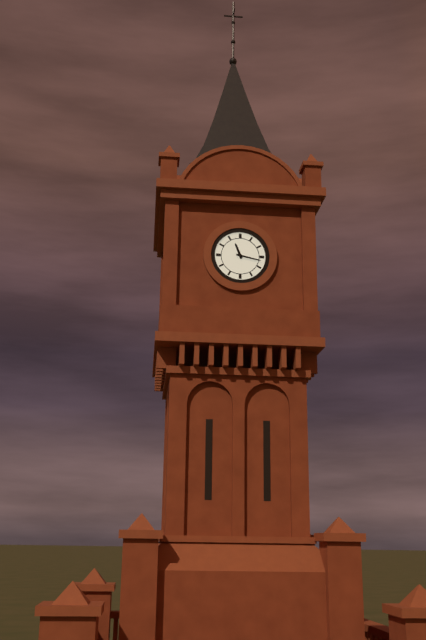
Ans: 11:17
